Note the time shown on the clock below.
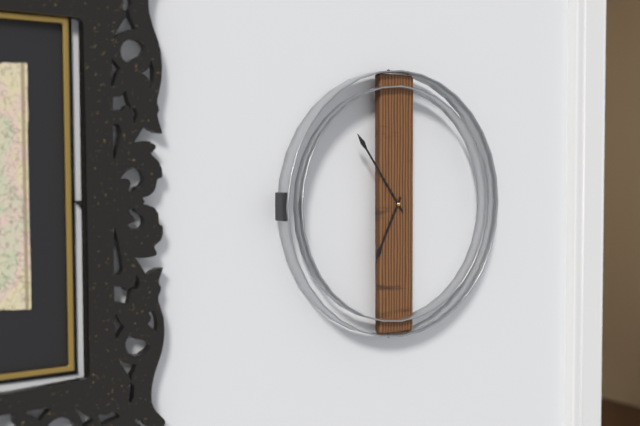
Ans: 6:54
